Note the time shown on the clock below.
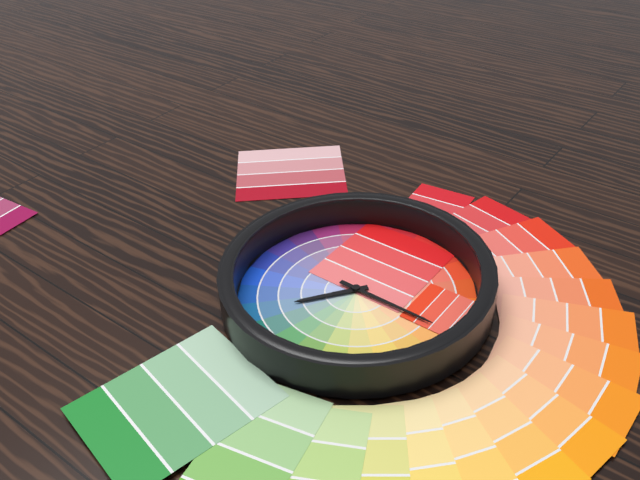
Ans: 7:15
